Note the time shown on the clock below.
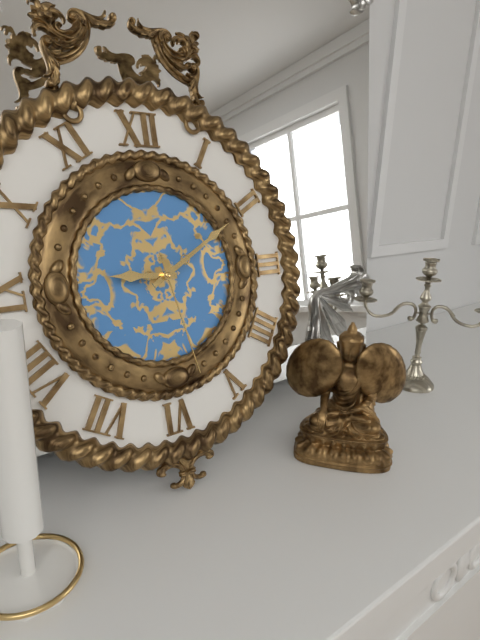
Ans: 9:10:28
